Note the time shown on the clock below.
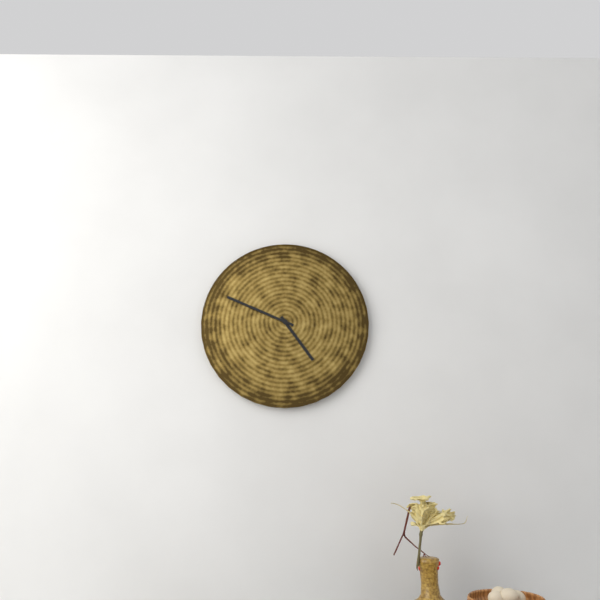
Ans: 4:49
